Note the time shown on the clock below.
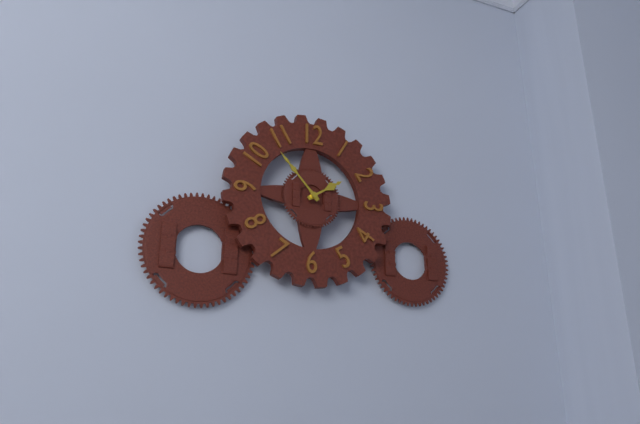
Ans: 1:53
